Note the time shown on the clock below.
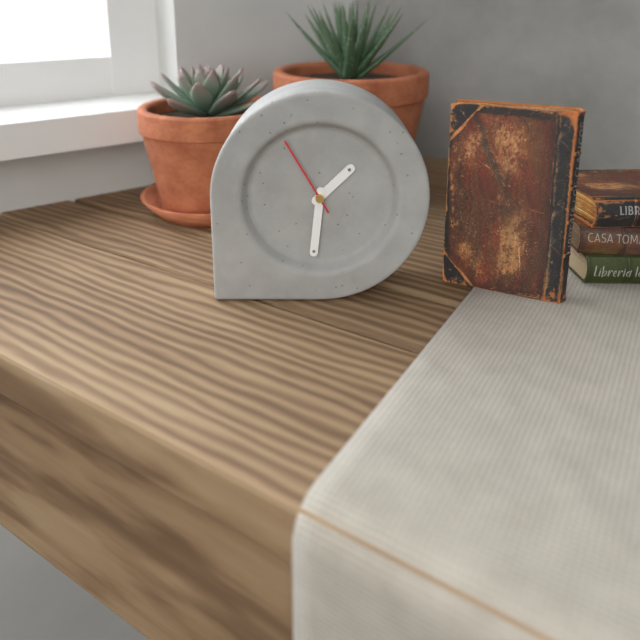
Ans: 1:31:55
